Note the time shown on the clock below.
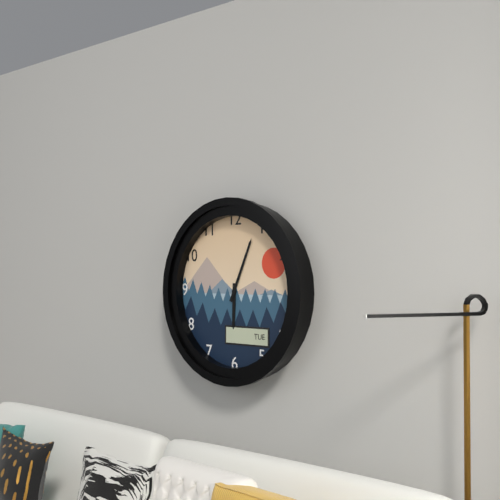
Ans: 6:04
